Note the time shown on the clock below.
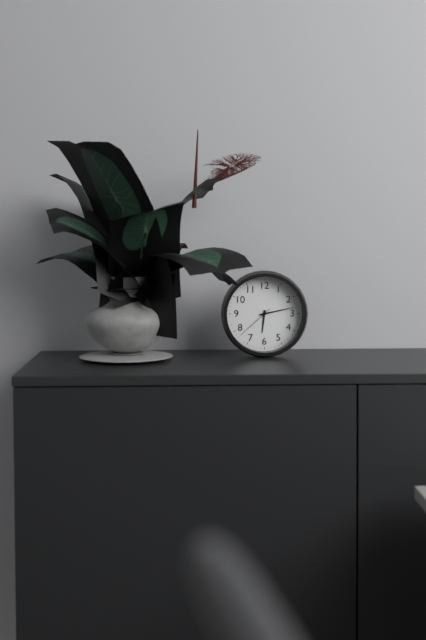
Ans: 6:13
